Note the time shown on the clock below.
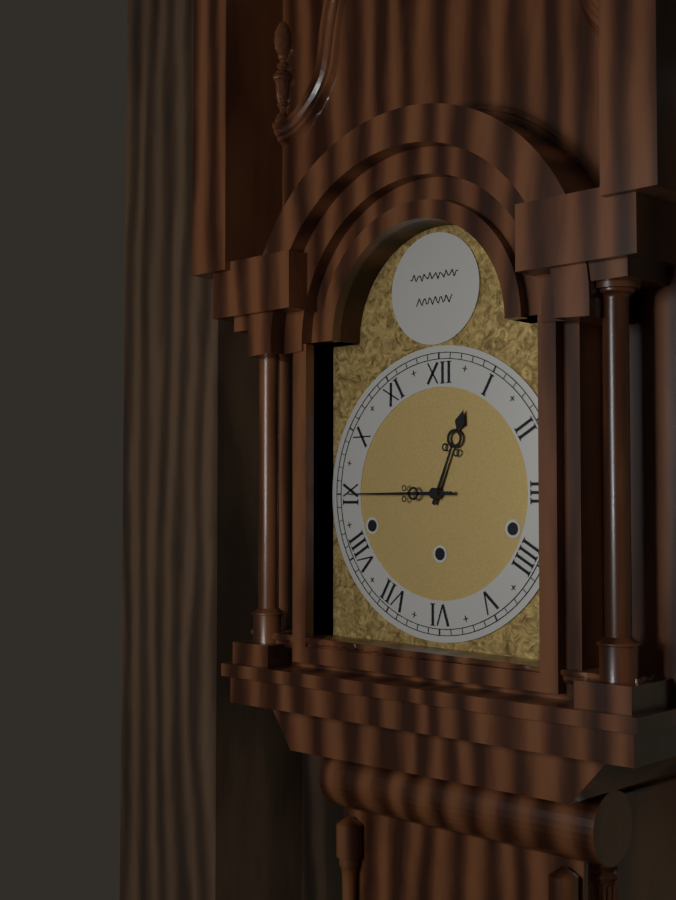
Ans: 12:45
